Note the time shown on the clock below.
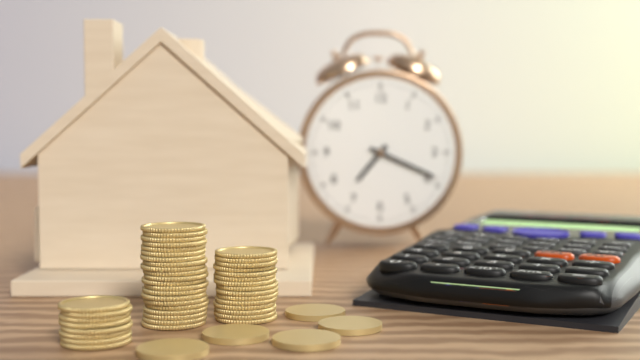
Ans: 7:19
